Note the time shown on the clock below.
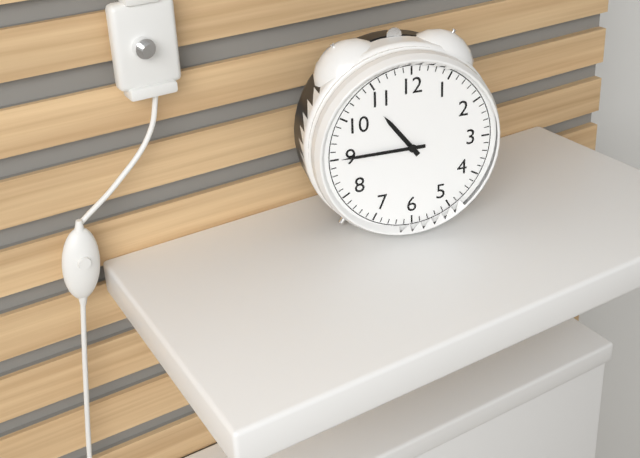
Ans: 10:45
